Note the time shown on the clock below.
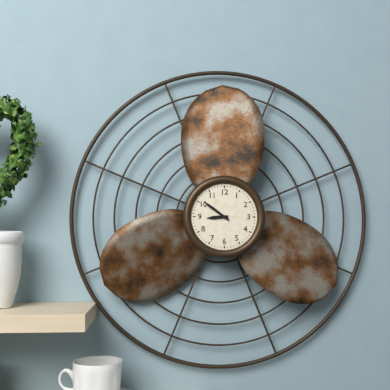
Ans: 8:51
